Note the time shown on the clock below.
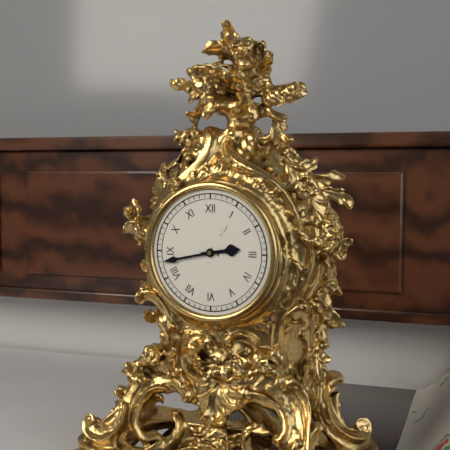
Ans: 2:43
